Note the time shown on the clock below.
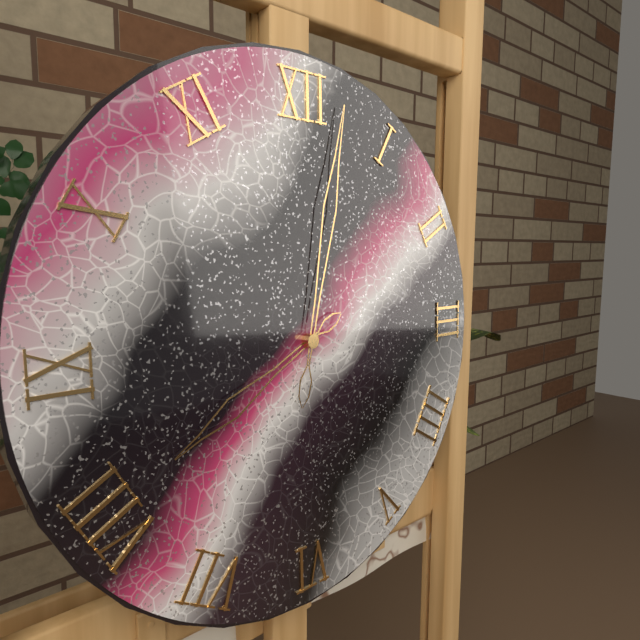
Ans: 8:02
